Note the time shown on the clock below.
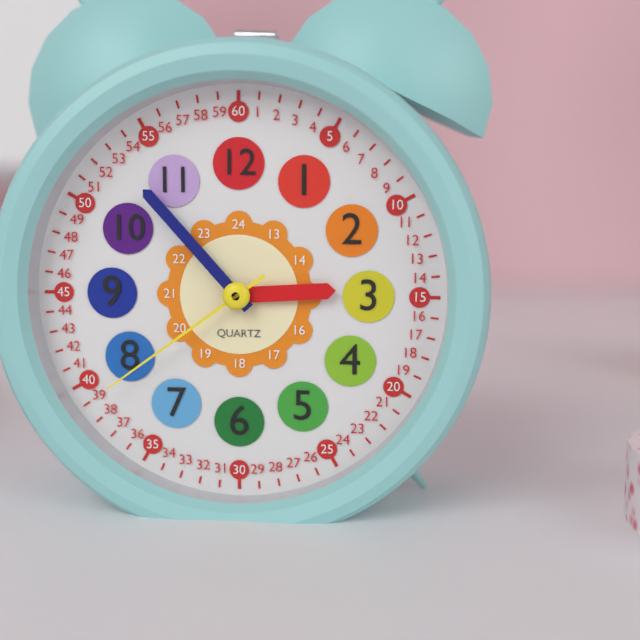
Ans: 2:53:39
